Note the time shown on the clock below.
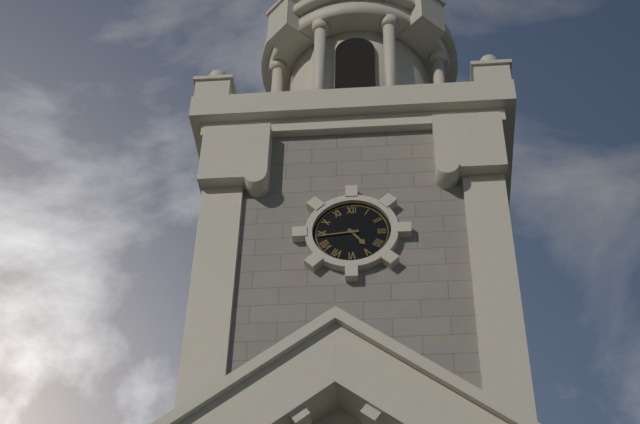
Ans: 4:44
